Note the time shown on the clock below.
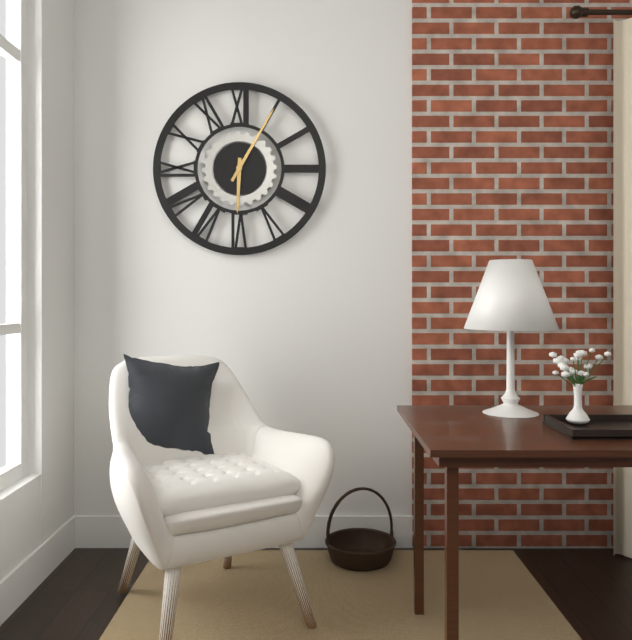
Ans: 6:05
